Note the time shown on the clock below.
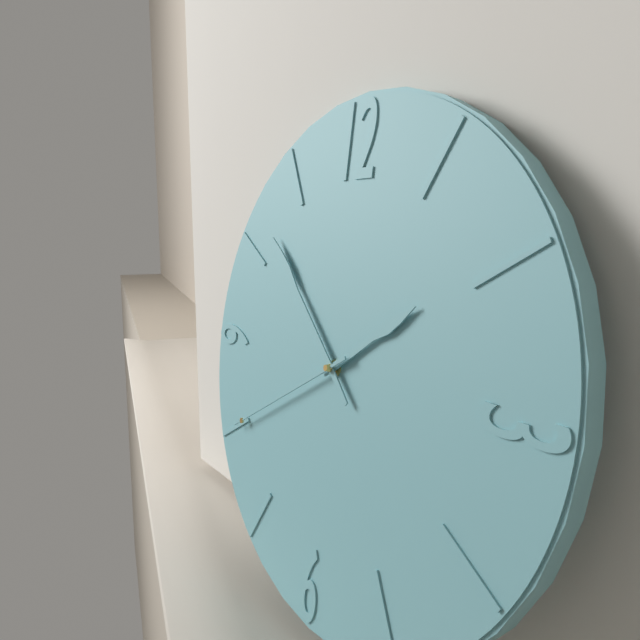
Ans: 1:52:40
